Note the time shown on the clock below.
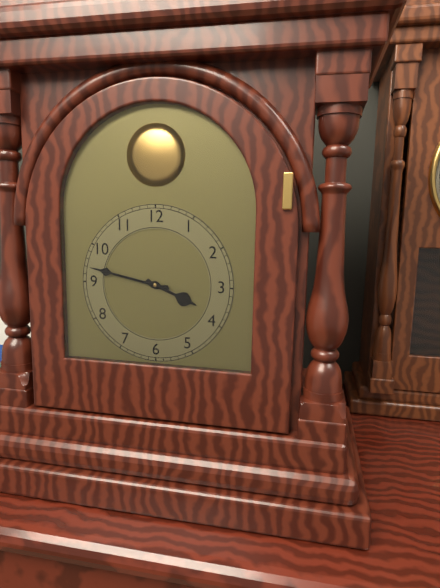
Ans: 3:47
